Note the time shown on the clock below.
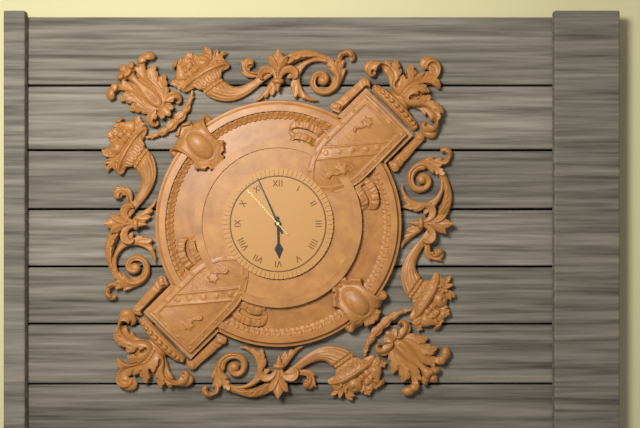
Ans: 5:56:53
